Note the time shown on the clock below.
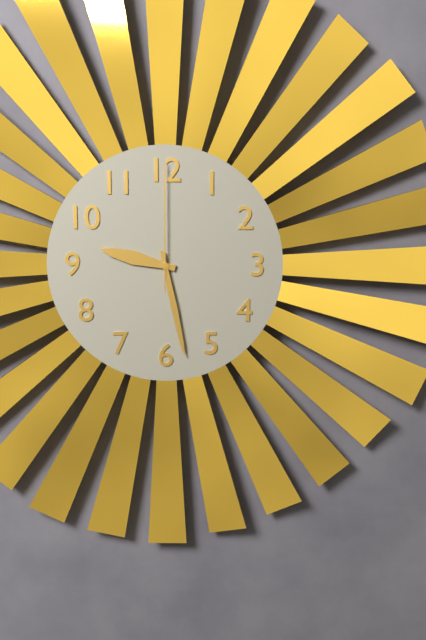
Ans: 9:28:00
